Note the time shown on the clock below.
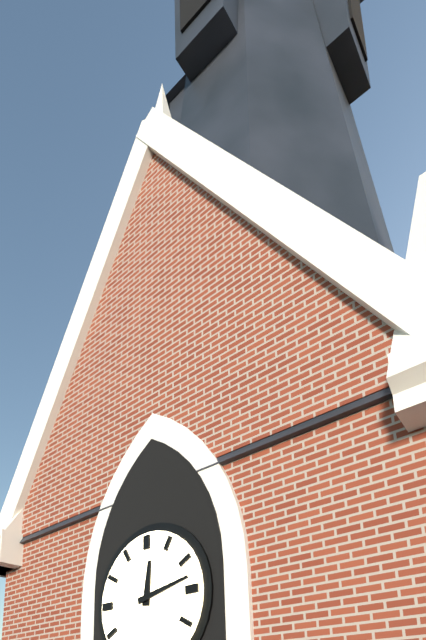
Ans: 12:13
